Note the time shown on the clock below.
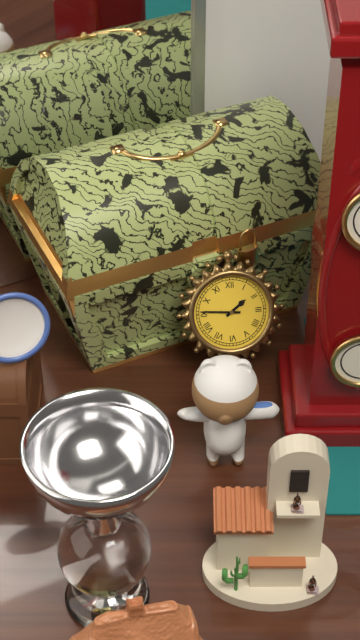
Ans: 1:46
